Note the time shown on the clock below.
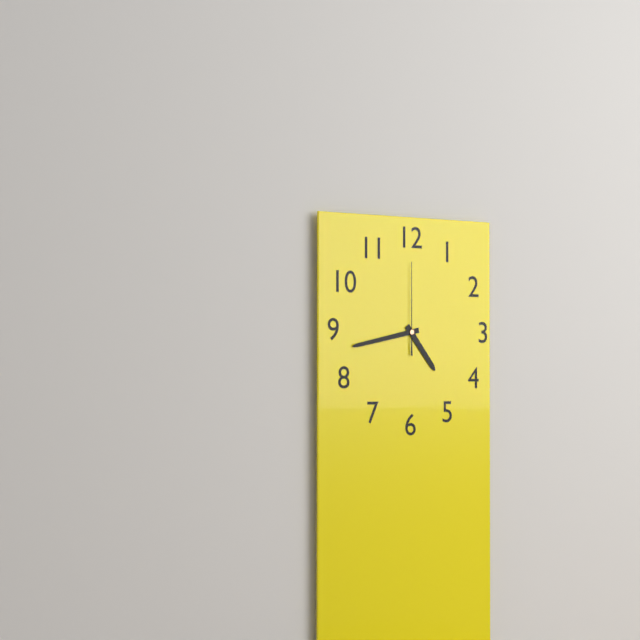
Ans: 4:43:00
